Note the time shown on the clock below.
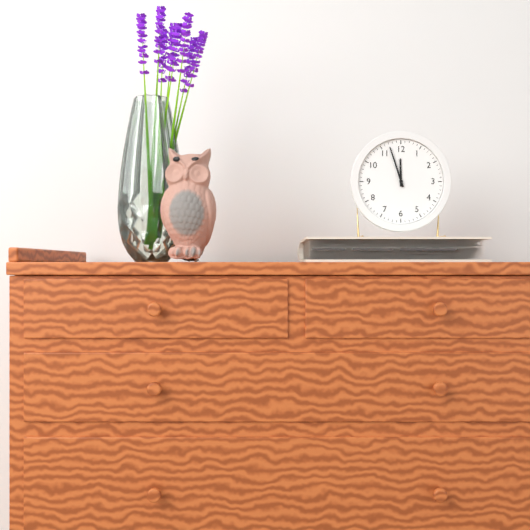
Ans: 11:57
